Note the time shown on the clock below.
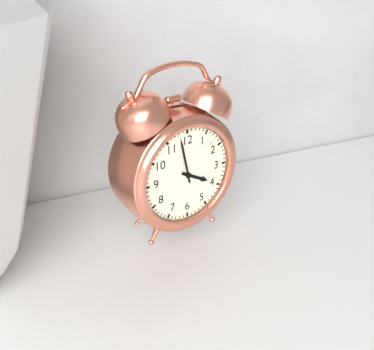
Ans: 3:58
